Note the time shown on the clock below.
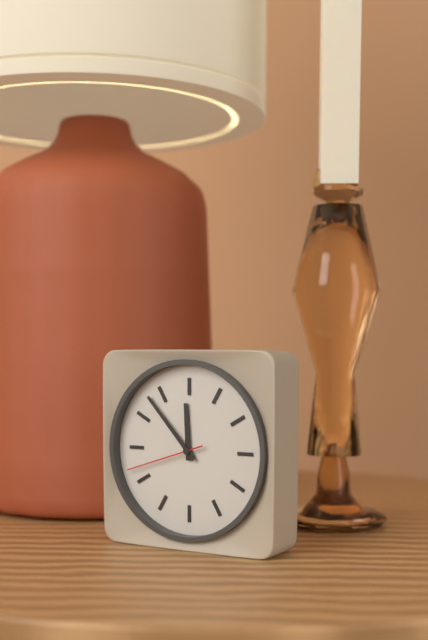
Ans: 11:53:42
